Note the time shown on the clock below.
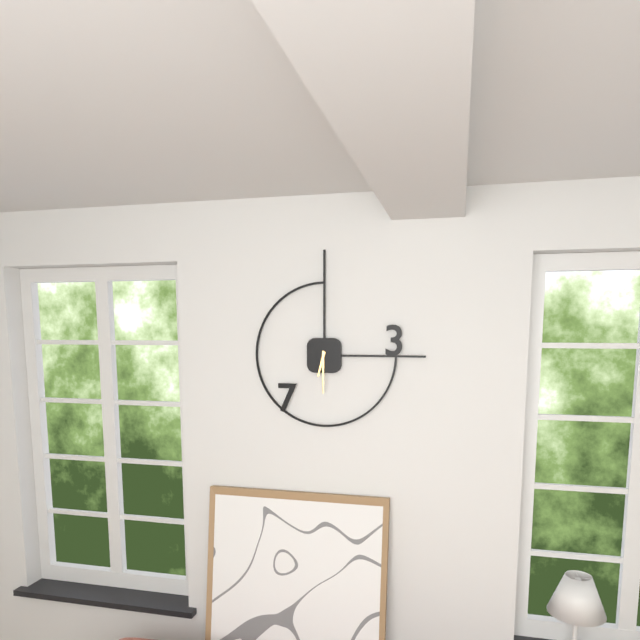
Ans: 6:30
